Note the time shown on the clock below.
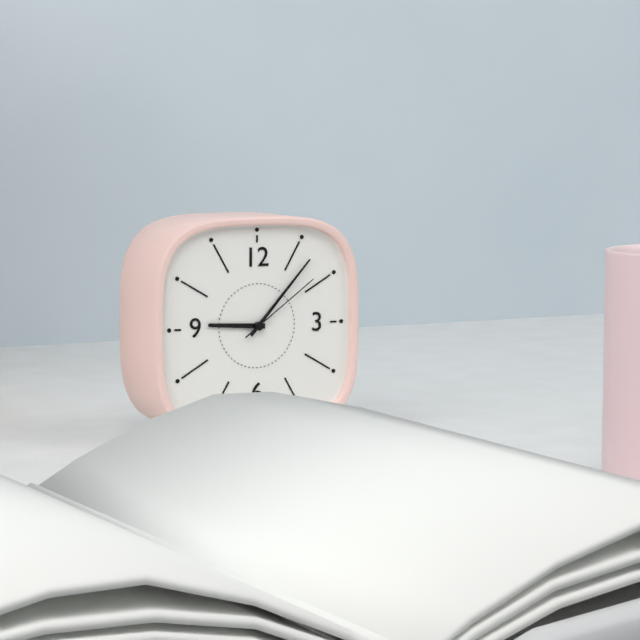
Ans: 9:07:09
